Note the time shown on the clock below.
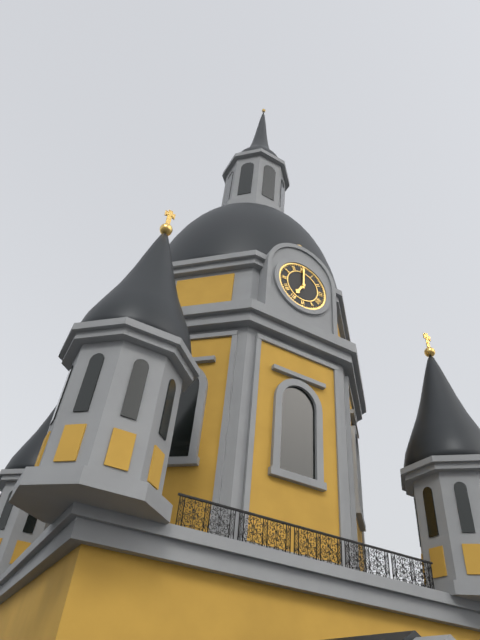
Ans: 7:00
